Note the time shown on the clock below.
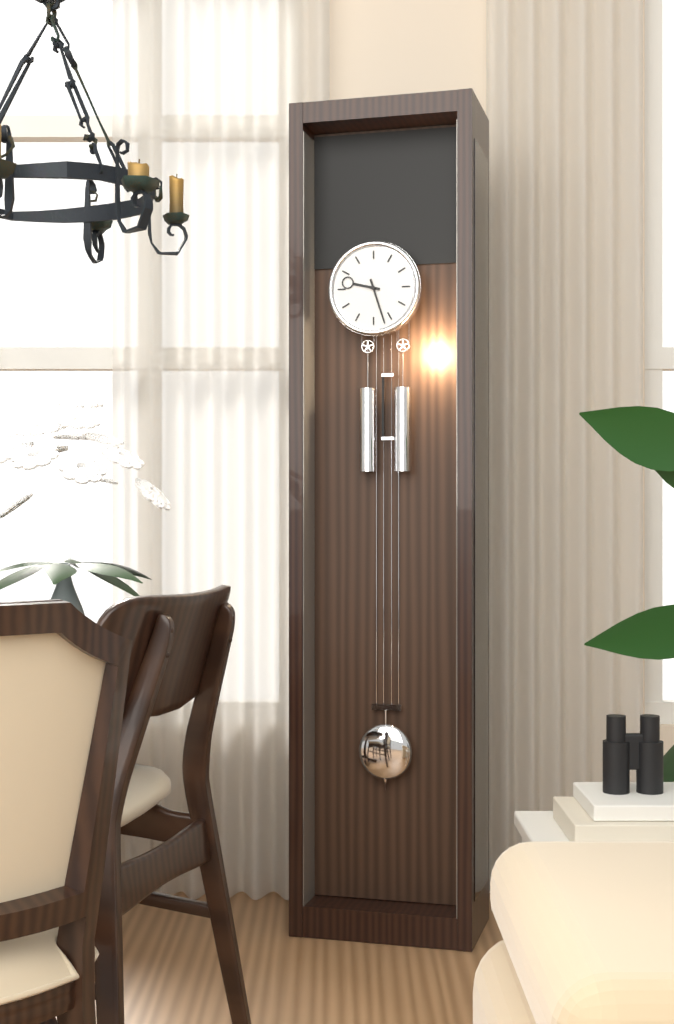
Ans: 9:27
